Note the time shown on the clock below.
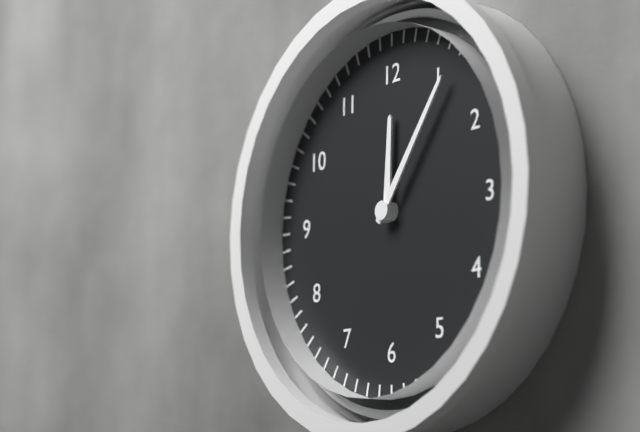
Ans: 12:06
